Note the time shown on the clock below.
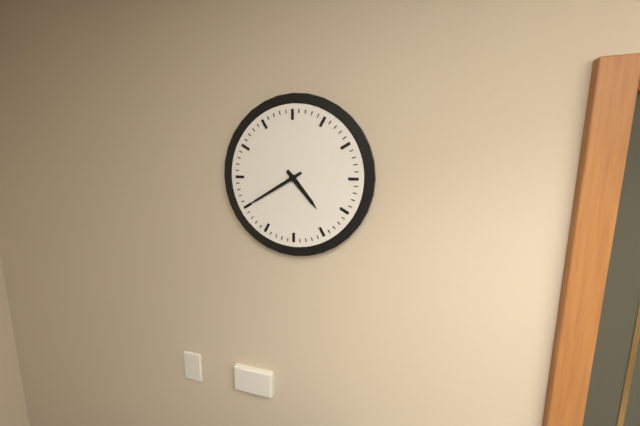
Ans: 4:40
